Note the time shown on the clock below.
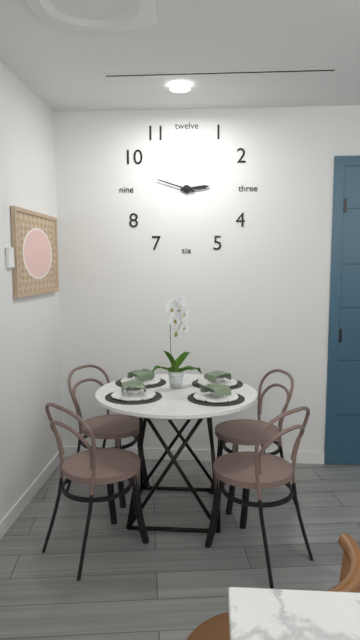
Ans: 2:48
